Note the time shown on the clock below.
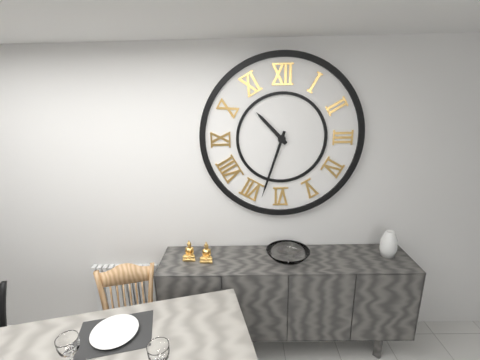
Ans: 10:33
